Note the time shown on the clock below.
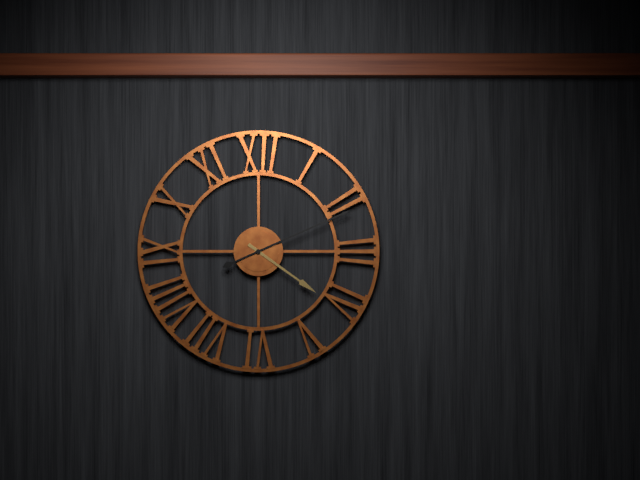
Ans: 4:11
